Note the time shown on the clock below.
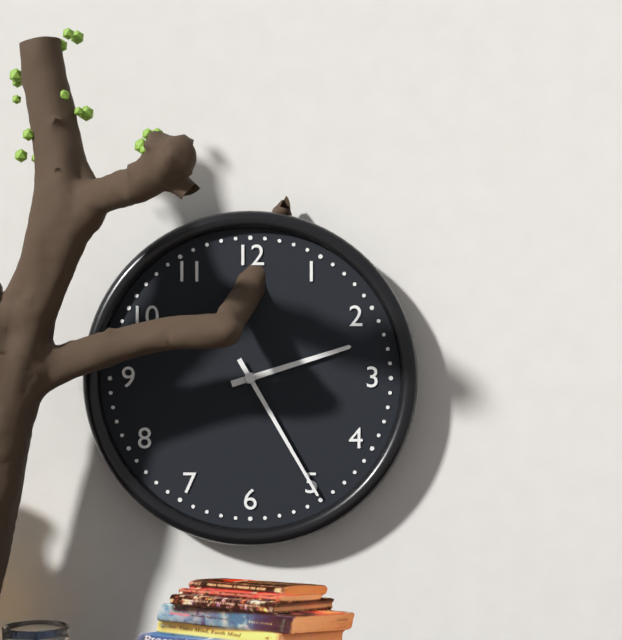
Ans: 2:25
